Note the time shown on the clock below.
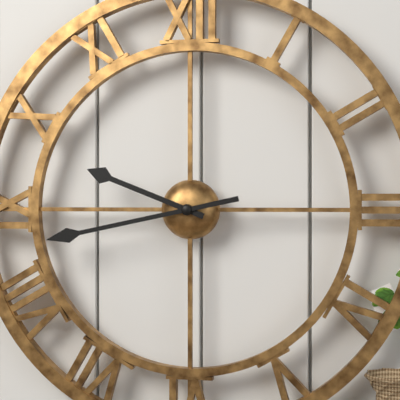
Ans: 9:43
